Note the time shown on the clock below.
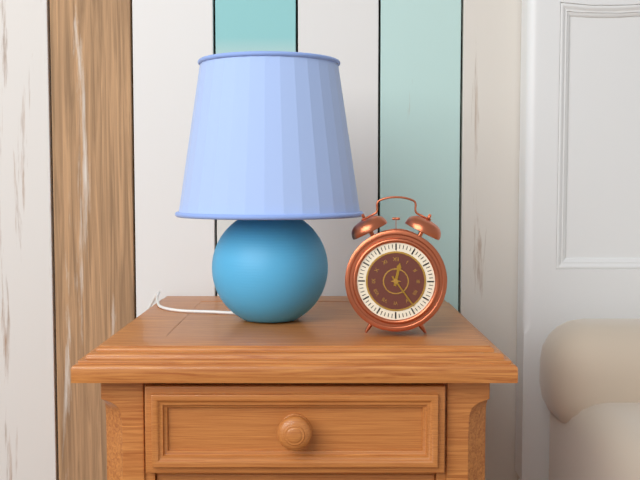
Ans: 12:24
